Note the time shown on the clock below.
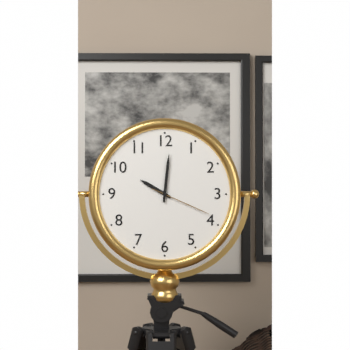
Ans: 10:01:19
